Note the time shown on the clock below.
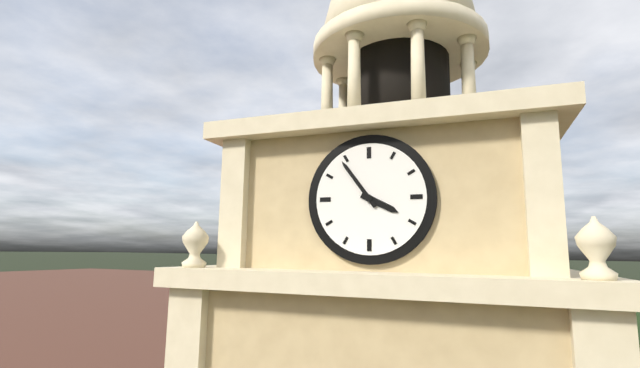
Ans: 3:54
